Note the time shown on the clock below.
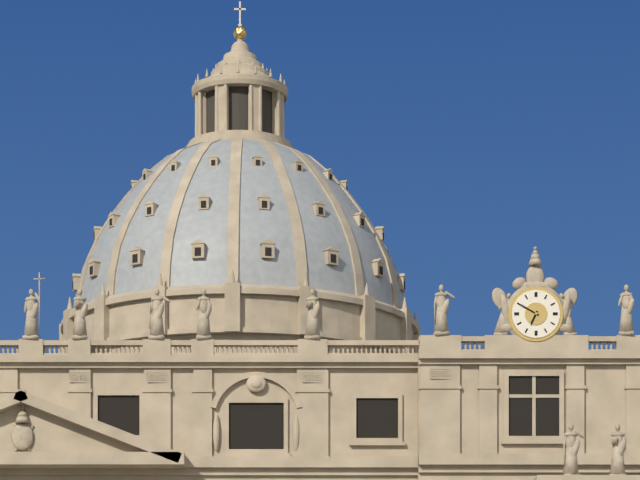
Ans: 6:50
